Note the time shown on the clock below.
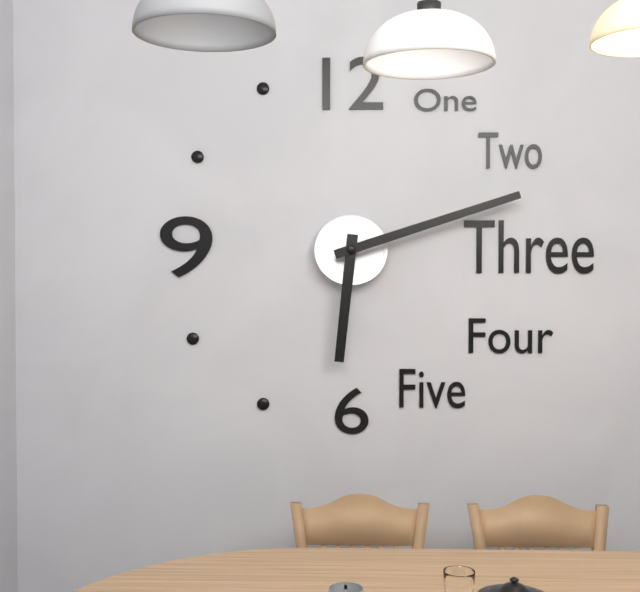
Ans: 6:12
